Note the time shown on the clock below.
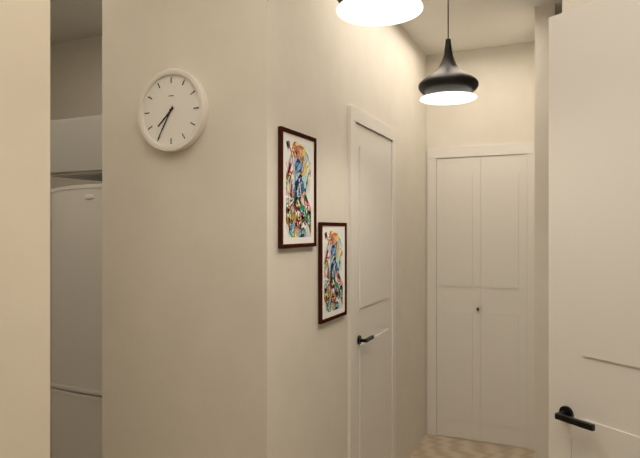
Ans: 7:35
